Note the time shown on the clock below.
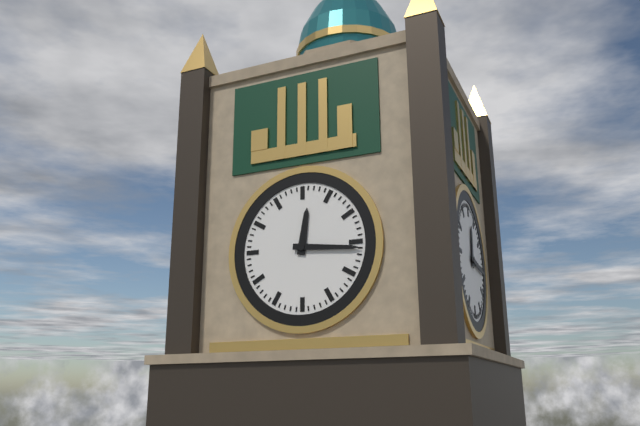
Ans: 12:16
